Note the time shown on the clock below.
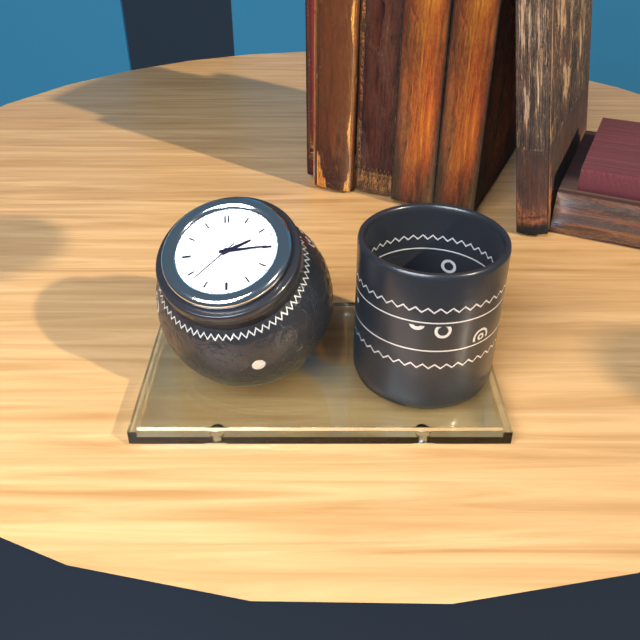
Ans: 2:15:38
